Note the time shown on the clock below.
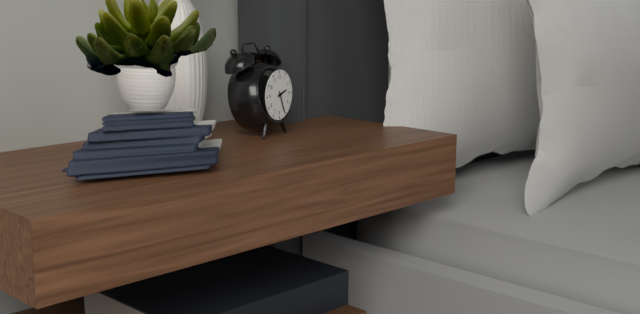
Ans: 2:26
